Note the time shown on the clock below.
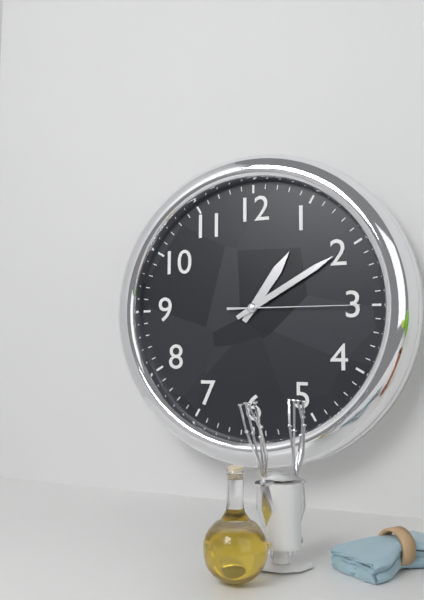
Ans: 1:10:15
